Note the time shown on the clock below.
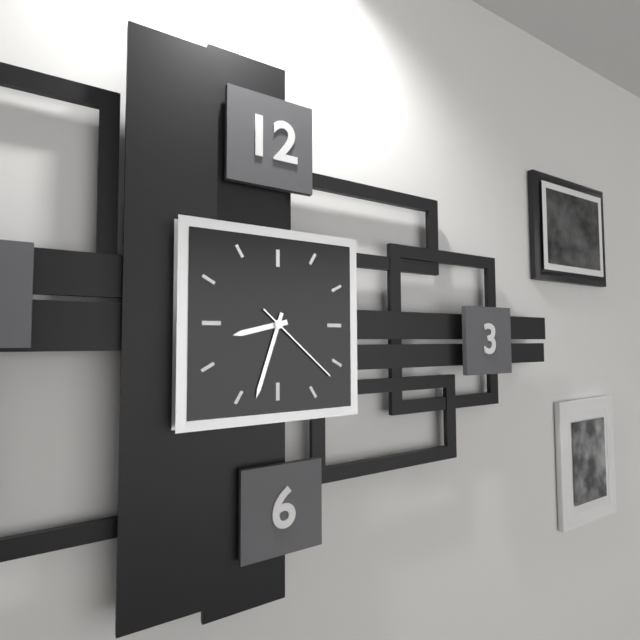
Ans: 8:33:22
